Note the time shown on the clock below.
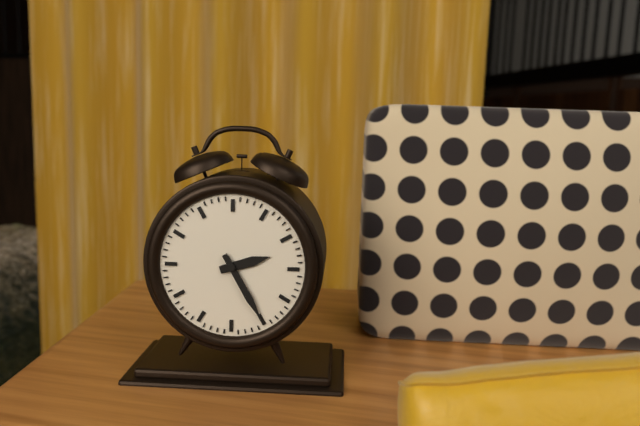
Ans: 2:25
